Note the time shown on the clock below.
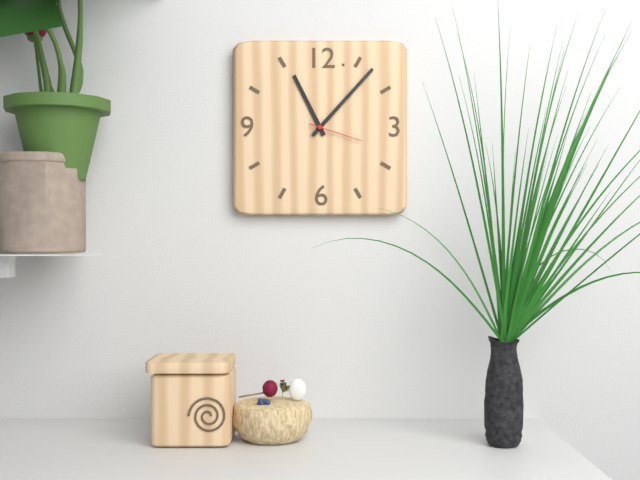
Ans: 11:07:18
